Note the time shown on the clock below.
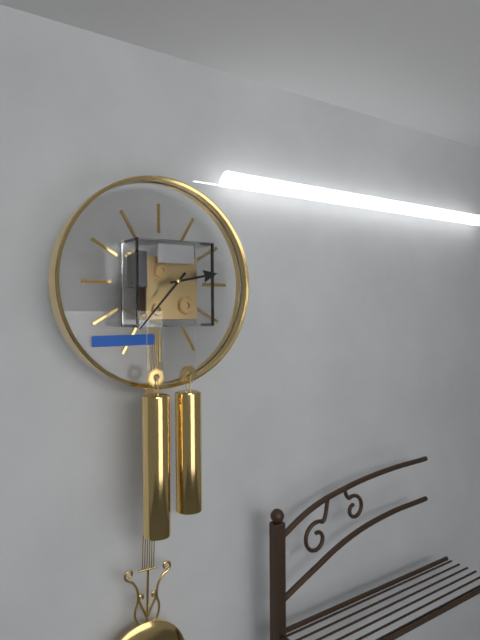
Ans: 2:37
